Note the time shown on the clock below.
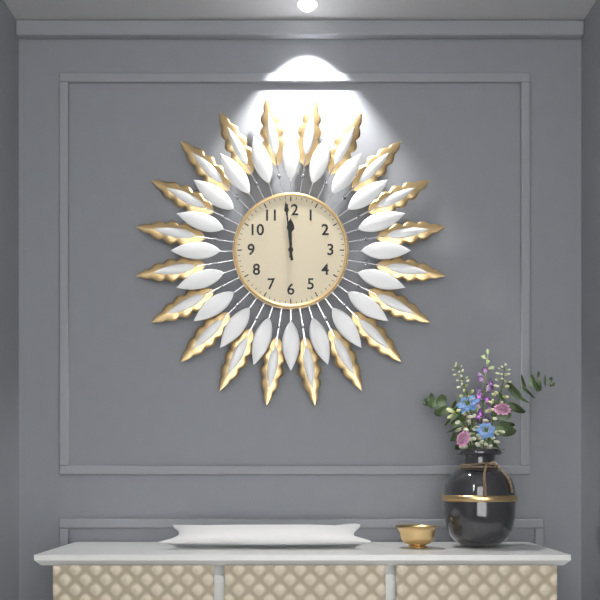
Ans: 11:59
